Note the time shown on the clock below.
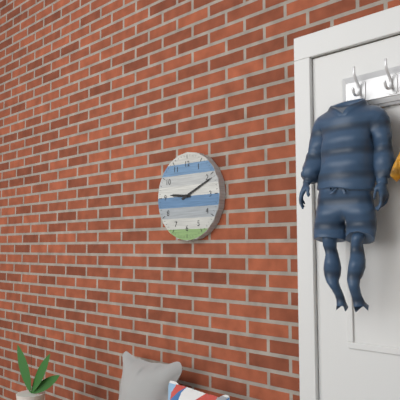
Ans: 9:11
